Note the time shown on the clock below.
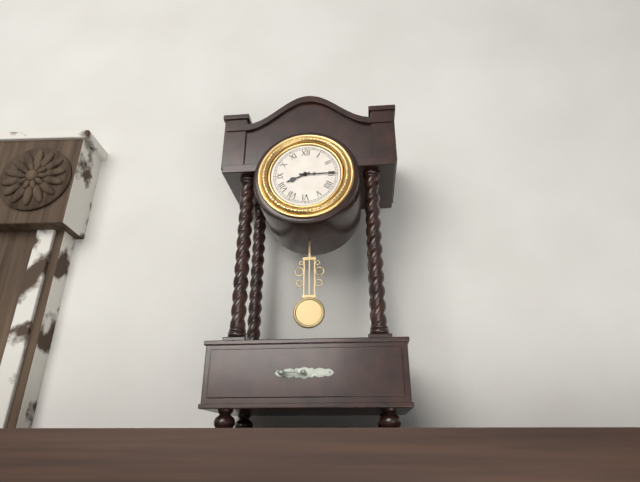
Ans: 8:15
